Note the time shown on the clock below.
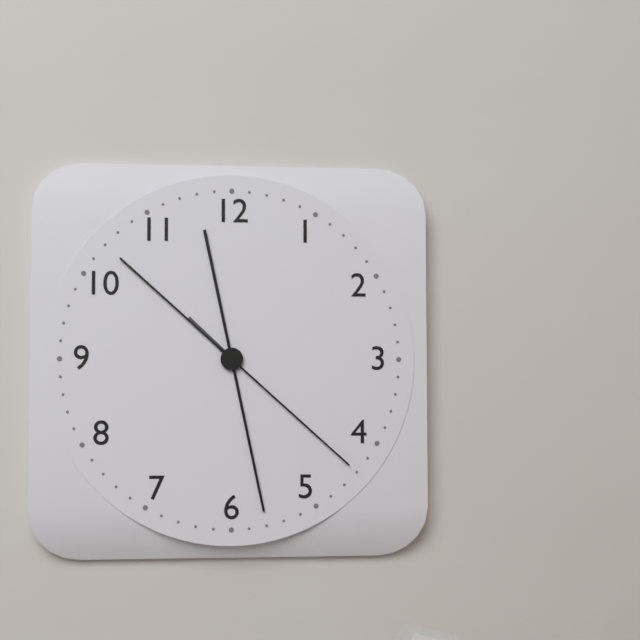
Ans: 10:28:22
